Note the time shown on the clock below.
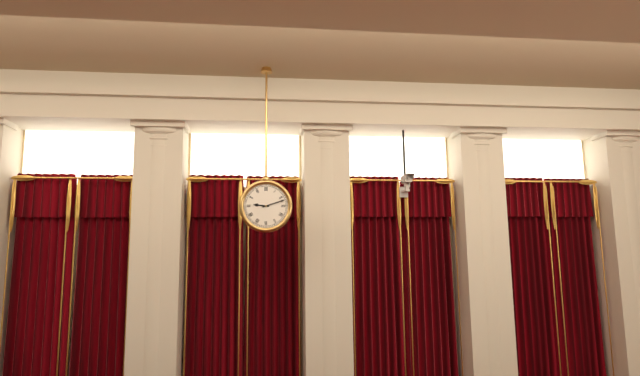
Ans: 9:12
